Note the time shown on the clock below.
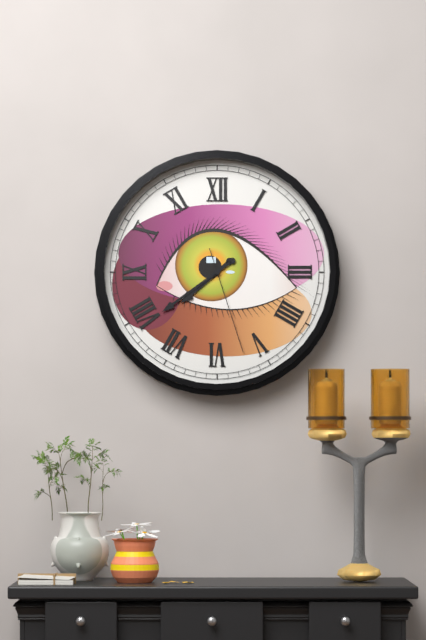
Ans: 7:39:27
